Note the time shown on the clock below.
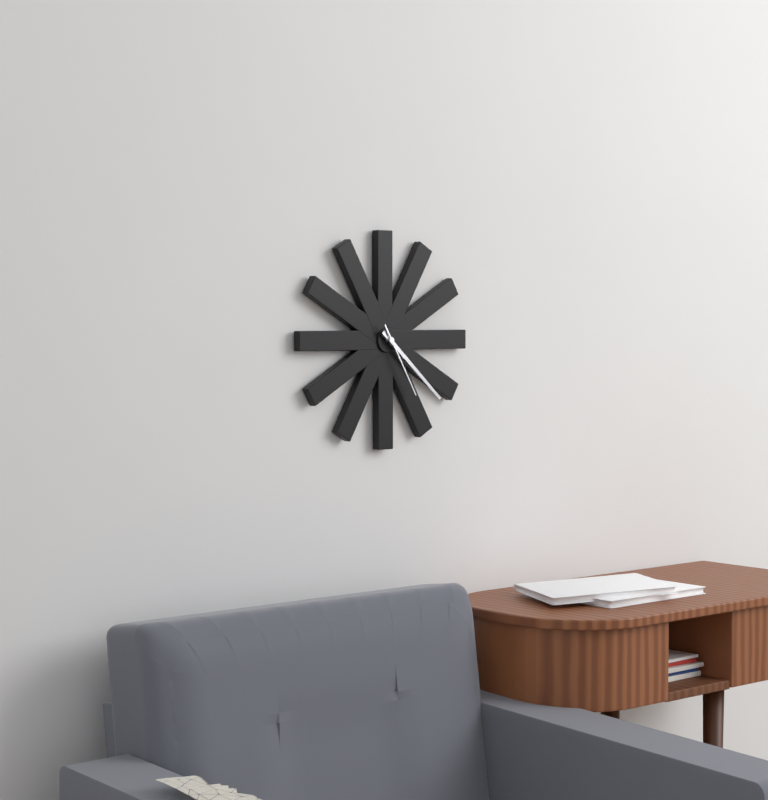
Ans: 4:22:25
